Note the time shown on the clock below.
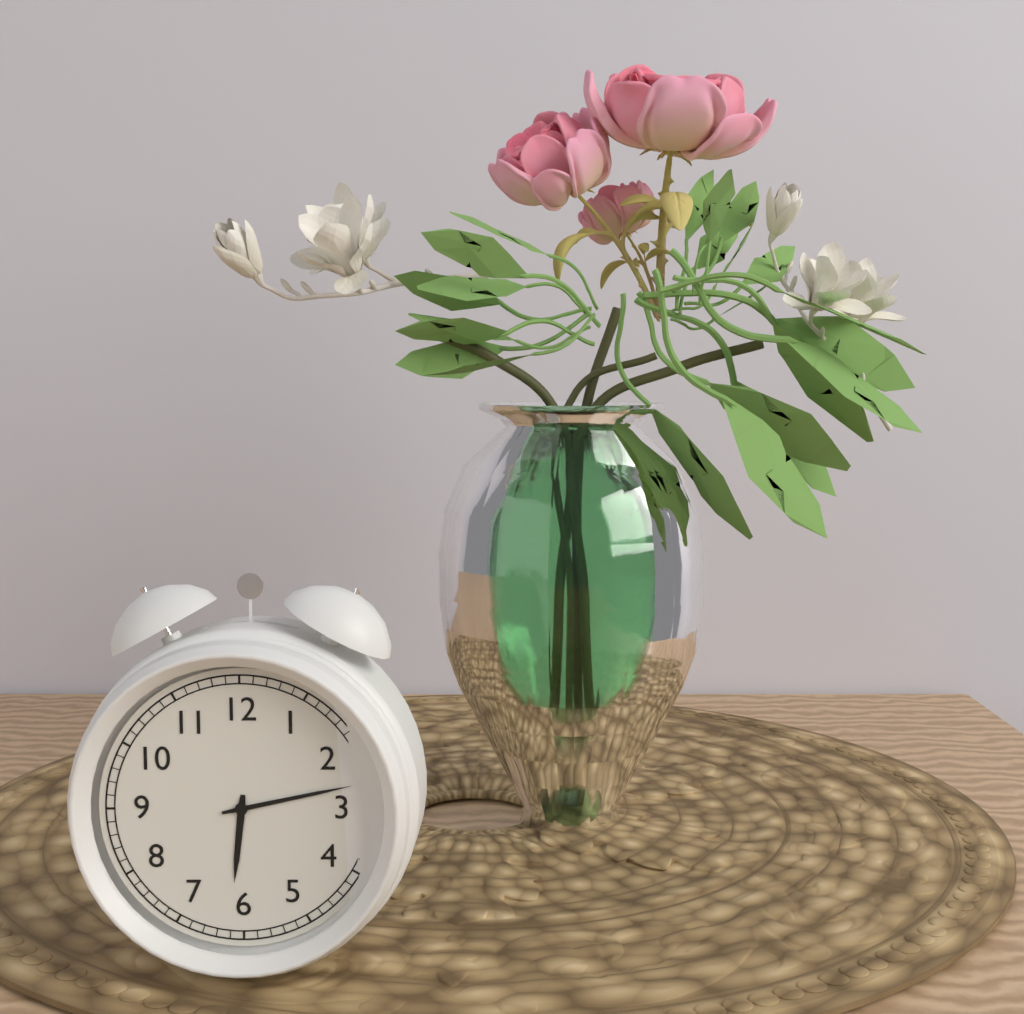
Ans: 6:13
